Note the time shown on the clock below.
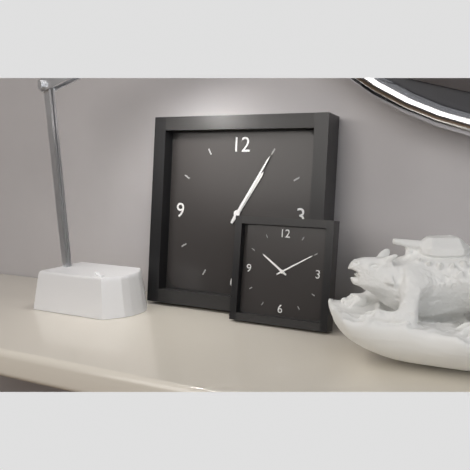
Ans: 1:05
